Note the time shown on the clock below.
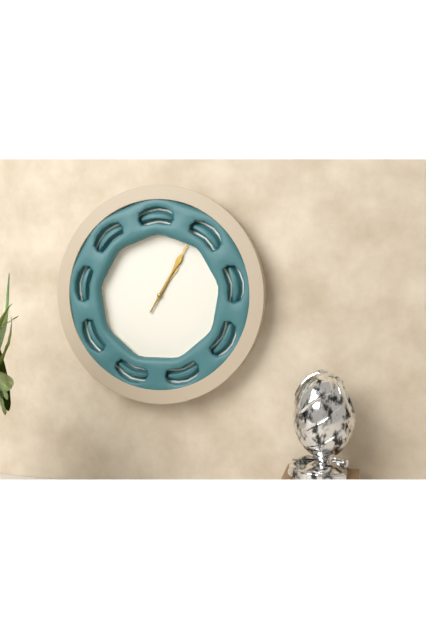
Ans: 1:05
